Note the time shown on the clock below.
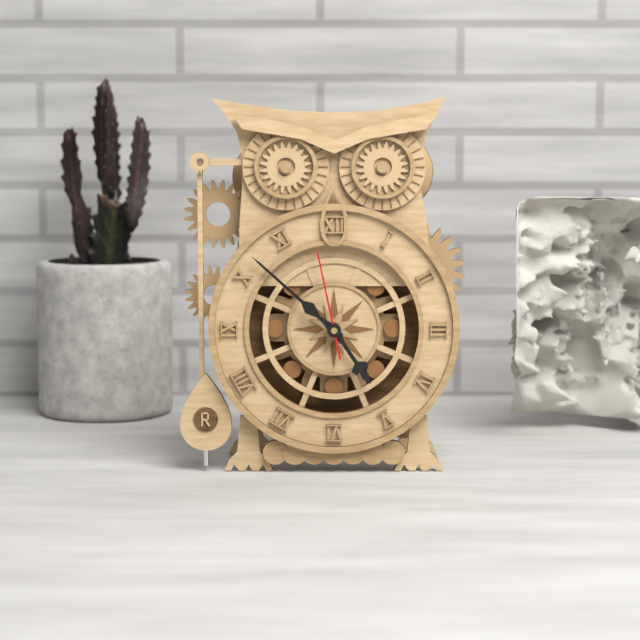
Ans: 4:52:58
